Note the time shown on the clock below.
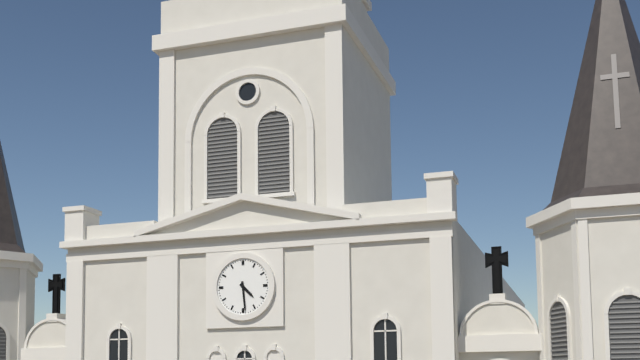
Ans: 4:29
